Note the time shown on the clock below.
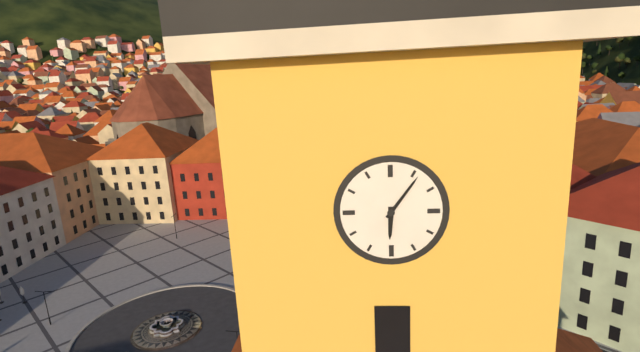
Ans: 6:06
